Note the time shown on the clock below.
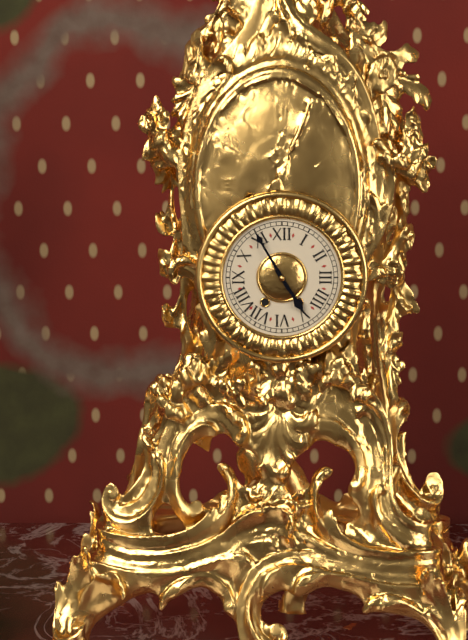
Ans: 4:55
